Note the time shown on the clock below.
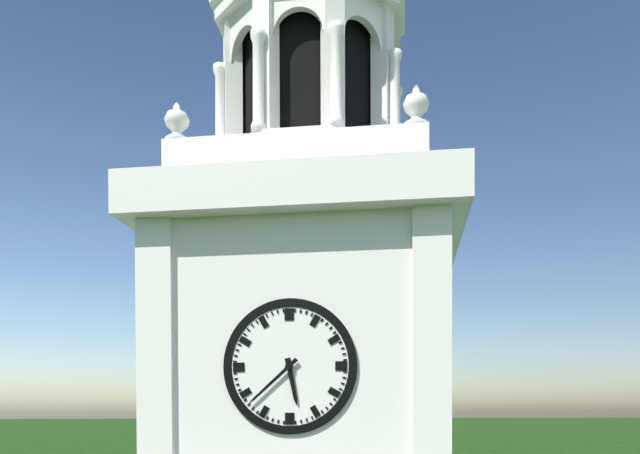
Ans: 5:38
